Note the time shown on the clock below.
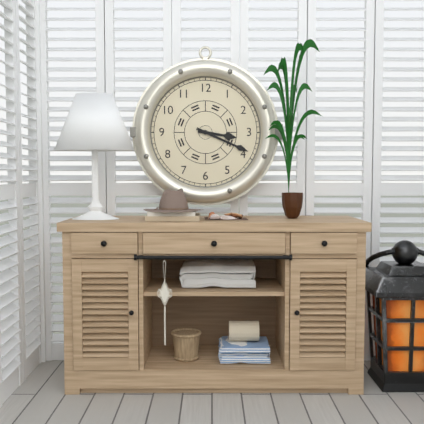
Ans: 3:19
